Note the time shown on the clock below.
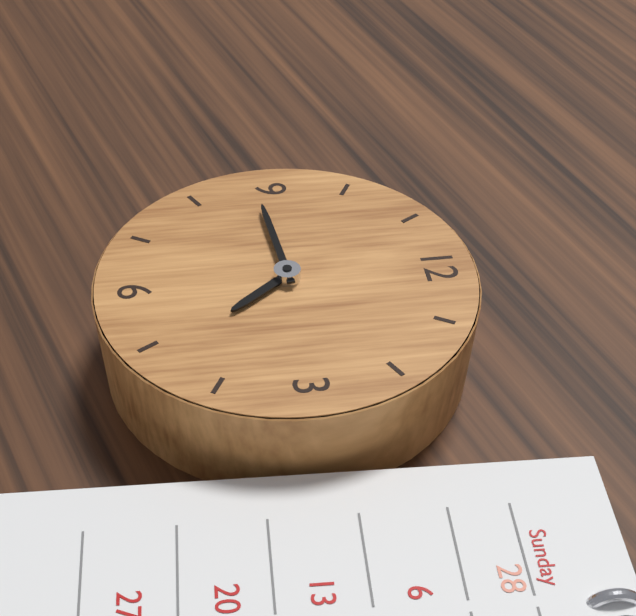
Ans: 4:44
